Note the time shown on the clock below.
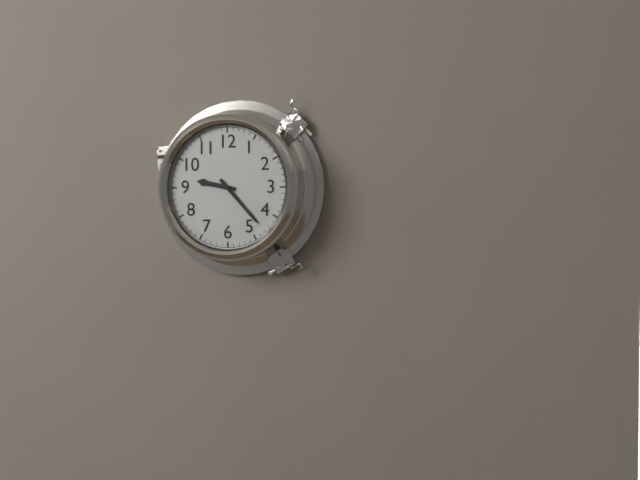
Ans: 9:23
